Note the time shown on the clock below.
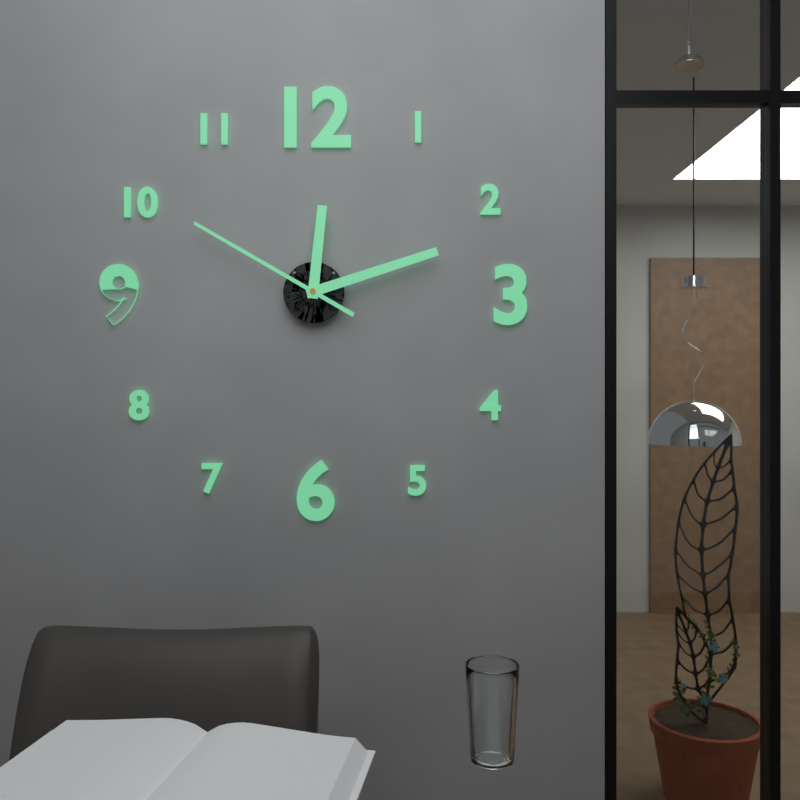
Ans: 12:12:50
